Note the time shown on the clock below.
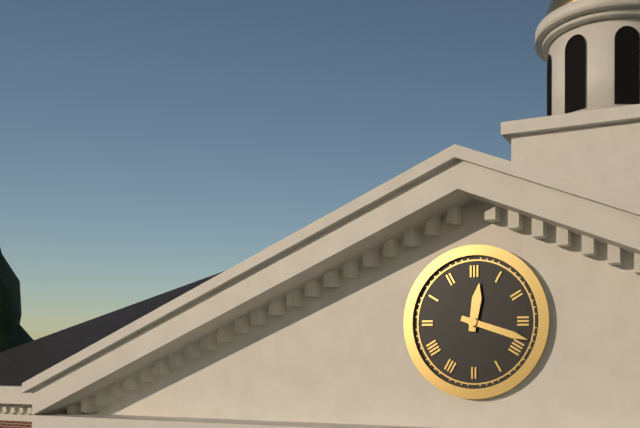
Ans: 12:18
